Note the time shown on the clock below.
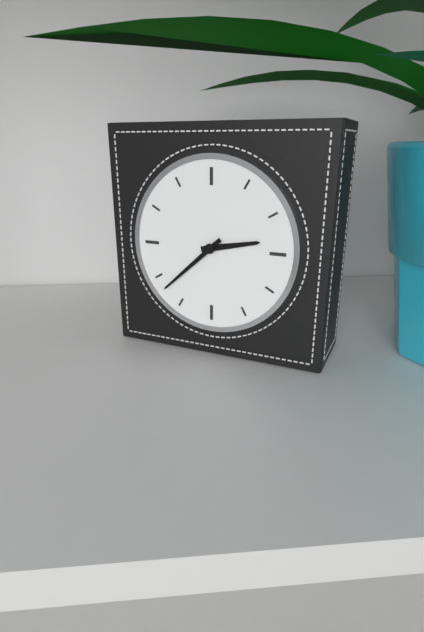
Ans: 2:38
